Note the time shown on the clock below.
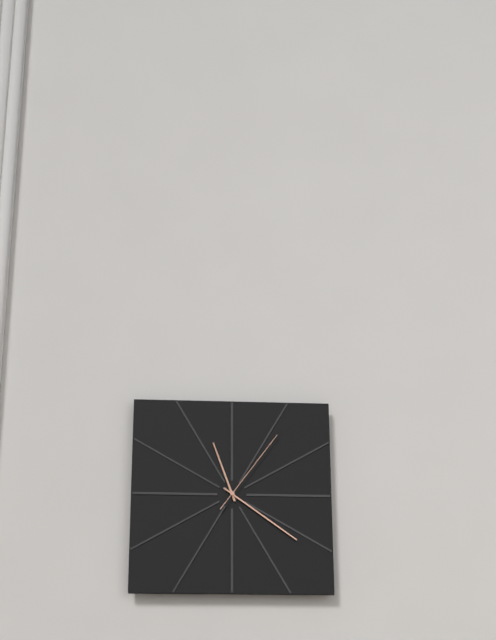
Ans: 11:21:06
